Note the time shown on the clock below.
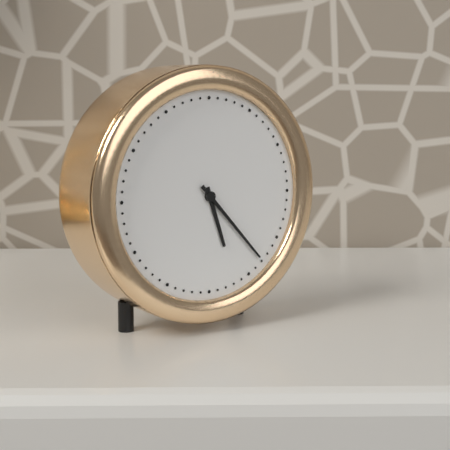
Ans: 5:23
